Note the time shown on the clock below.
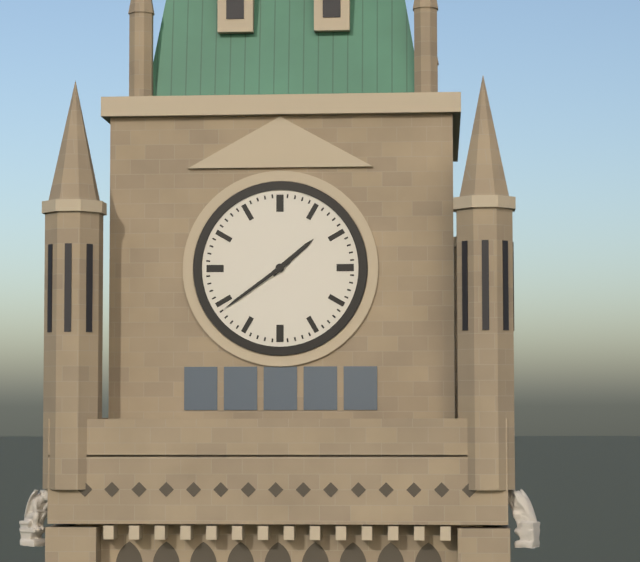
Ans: 1:39
